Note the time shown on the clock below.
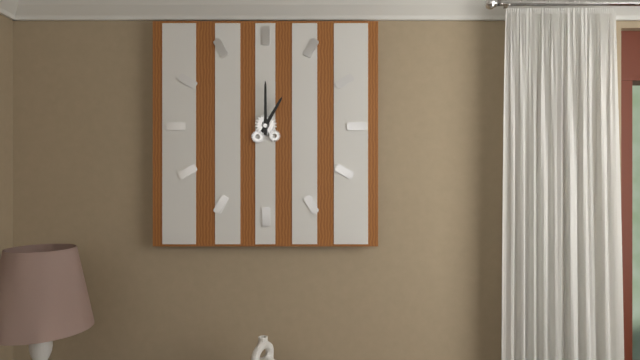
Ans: 1:00
